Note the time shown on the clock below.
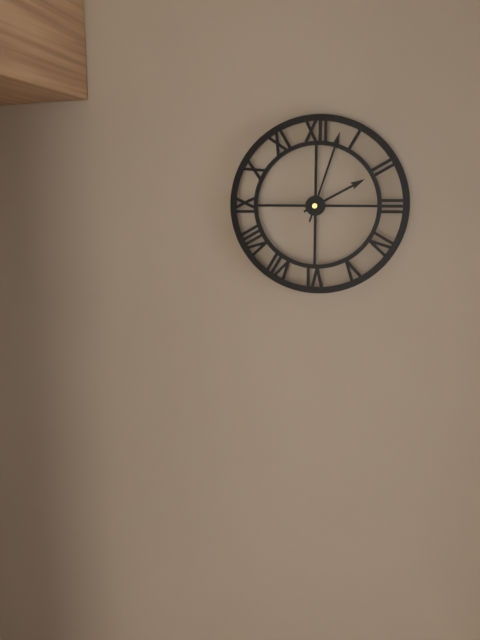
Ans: 2:03
